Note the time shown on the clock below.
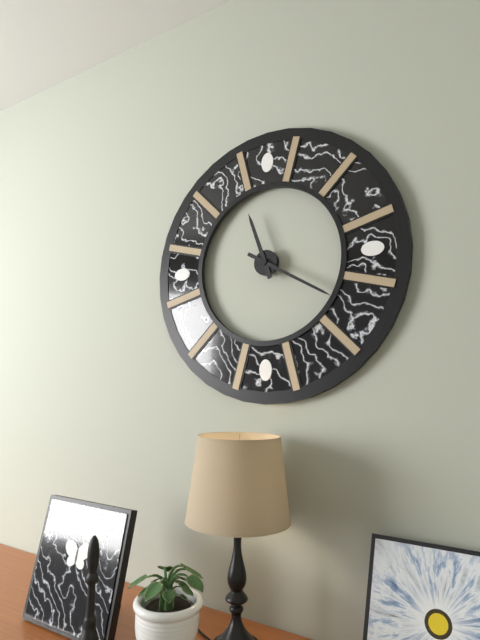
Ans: 11:20
